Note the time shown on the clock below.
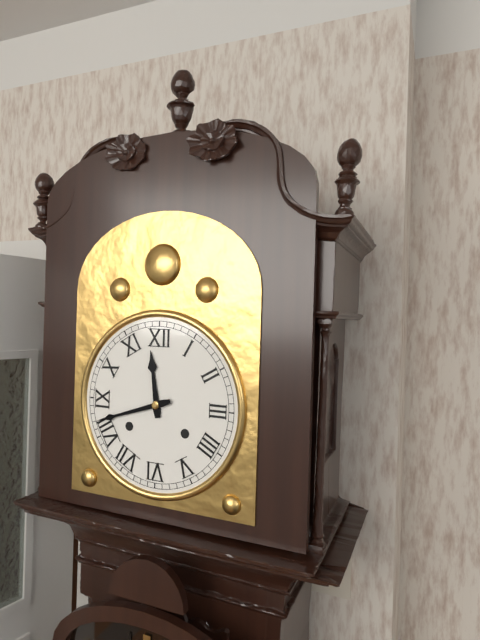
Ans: 11:42
